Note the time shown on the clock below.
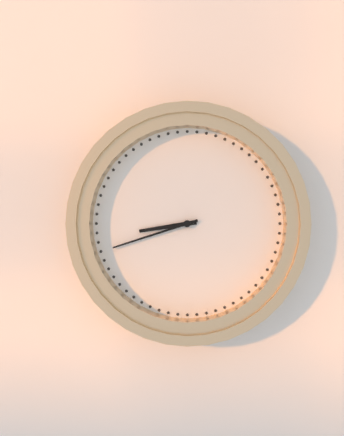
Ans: 8:42
